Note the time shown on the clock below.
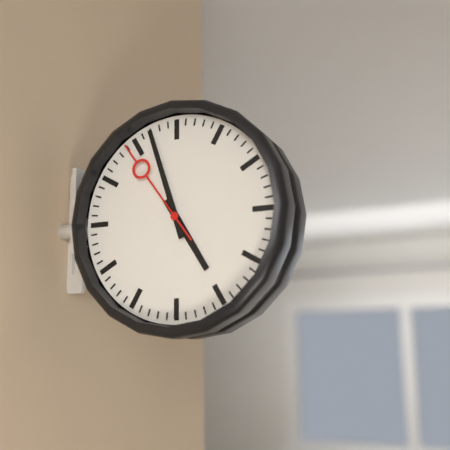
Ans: 4:57:54
